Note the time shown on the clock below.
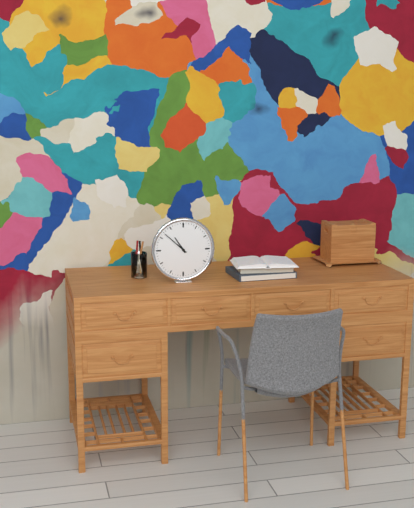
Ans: 10:52
